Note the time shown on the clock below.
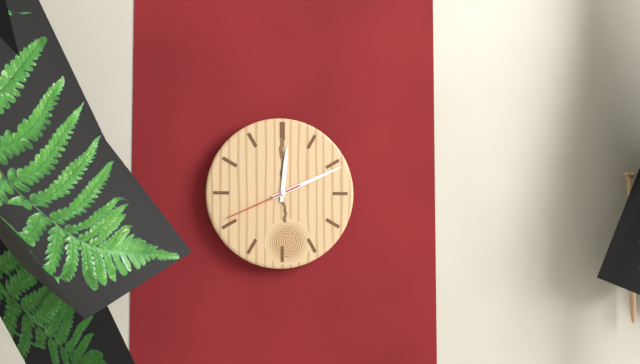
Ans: 12:11:41
